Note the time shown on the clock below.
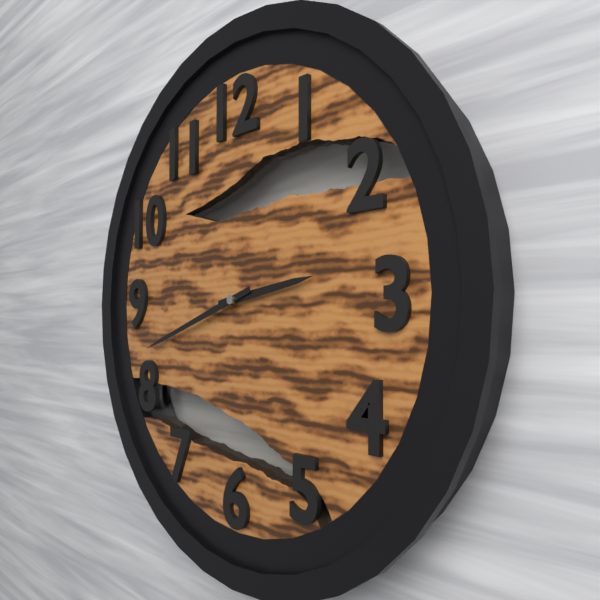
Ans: 2:42
